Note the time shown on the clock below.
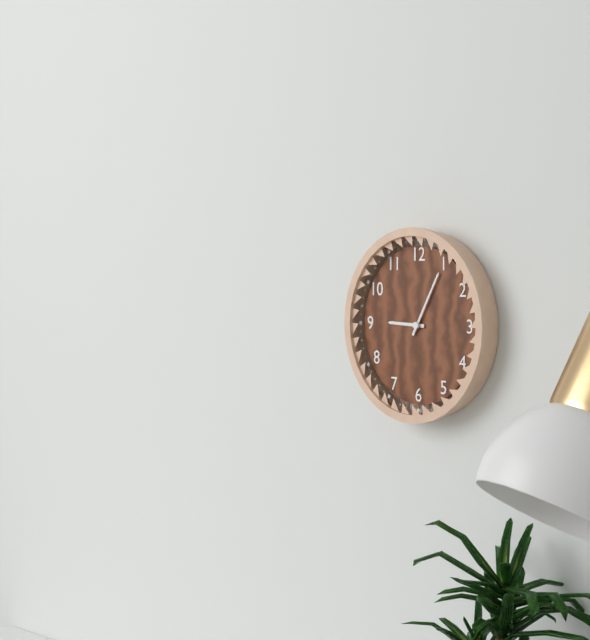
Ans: 9:05
